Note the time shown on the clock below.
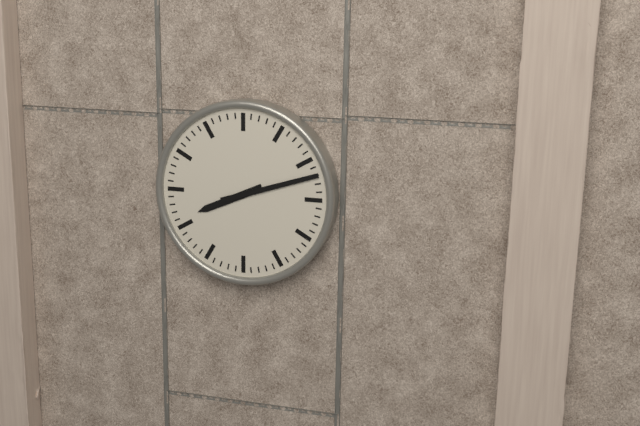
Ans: 8:12
